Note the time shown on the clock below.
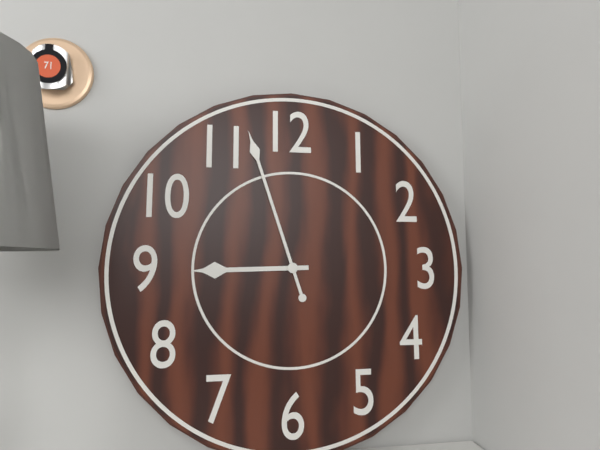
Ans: 8:57
